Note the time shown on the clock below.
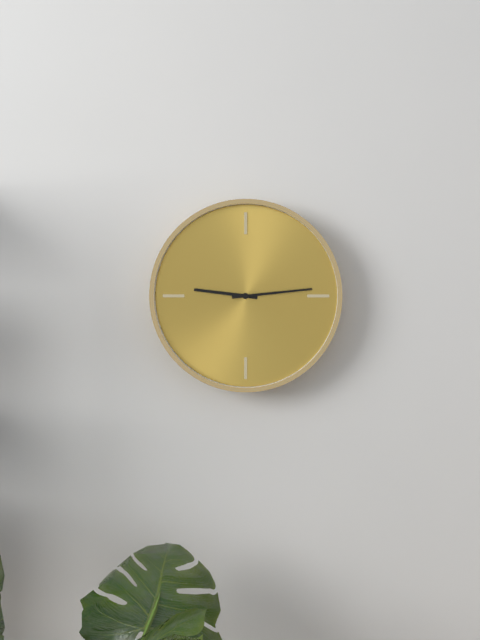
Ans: 9:14
